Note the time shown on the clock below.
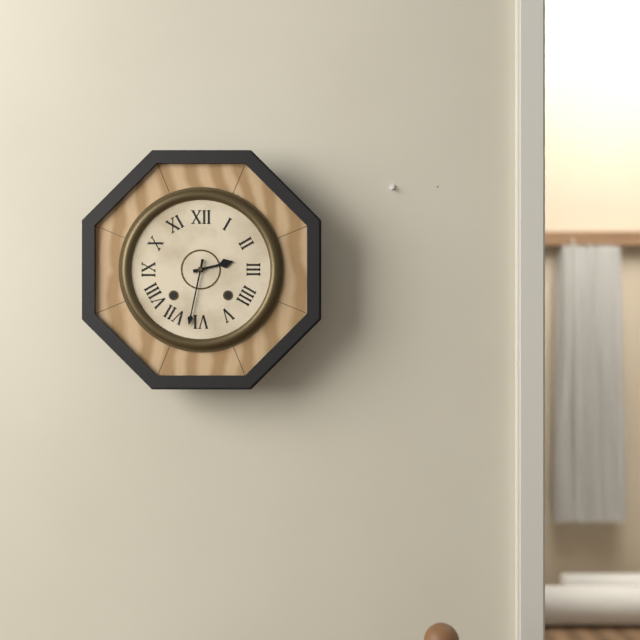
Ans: 2:32
